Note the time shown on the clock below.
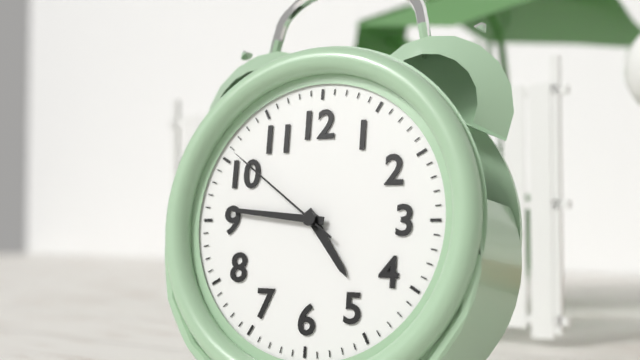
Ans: 4:46:51
